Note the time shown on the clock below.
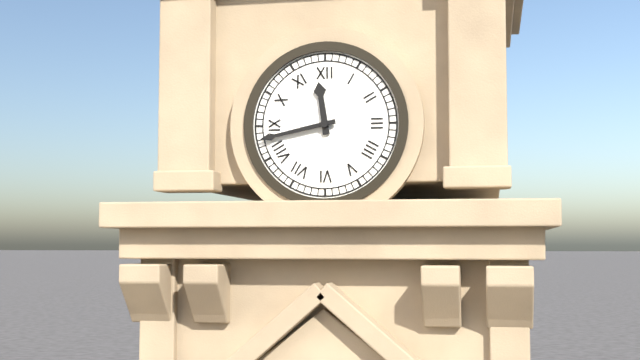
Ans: 11:43
